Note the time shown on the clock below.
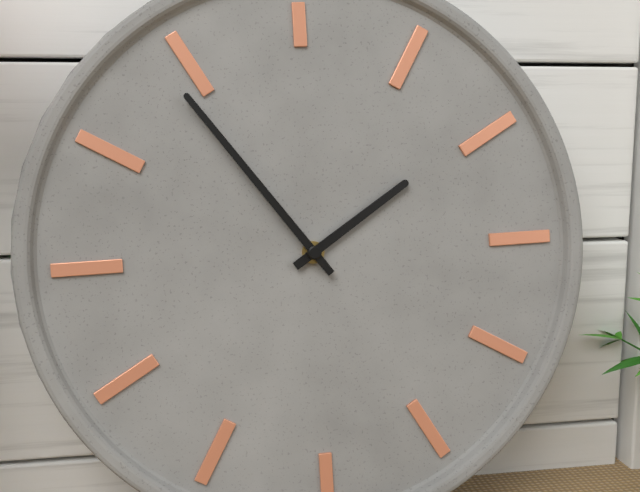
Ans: 1:54
